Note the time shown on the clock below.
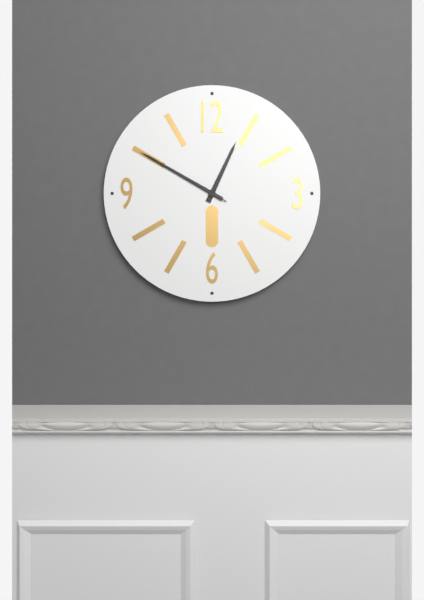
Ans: 12:50:50
